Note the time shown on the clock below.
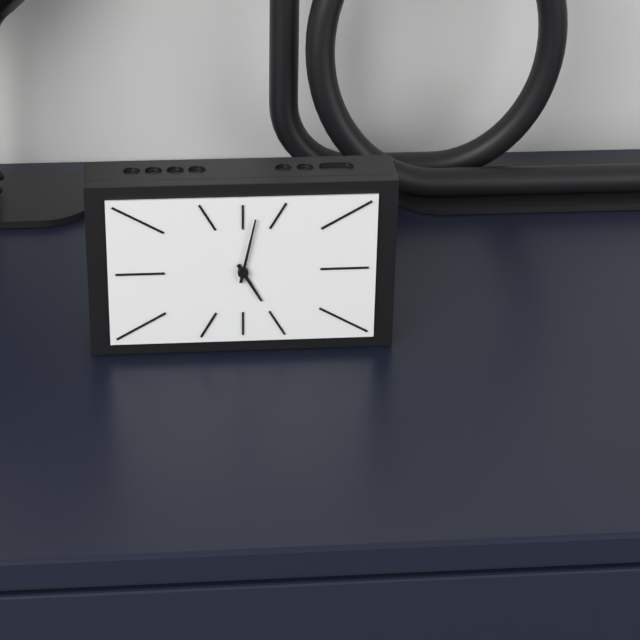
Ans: 5:02
